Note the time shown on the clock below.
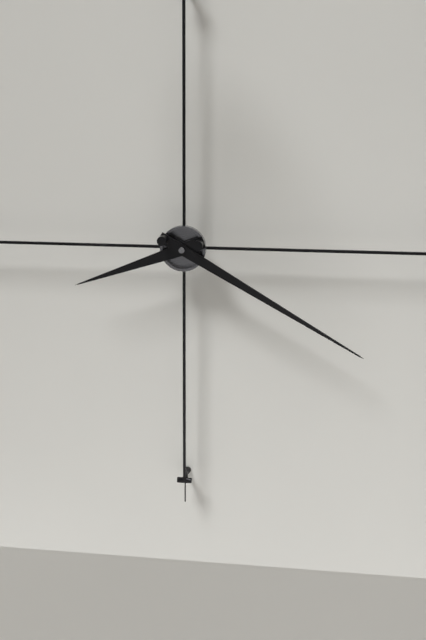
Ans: 8:20
